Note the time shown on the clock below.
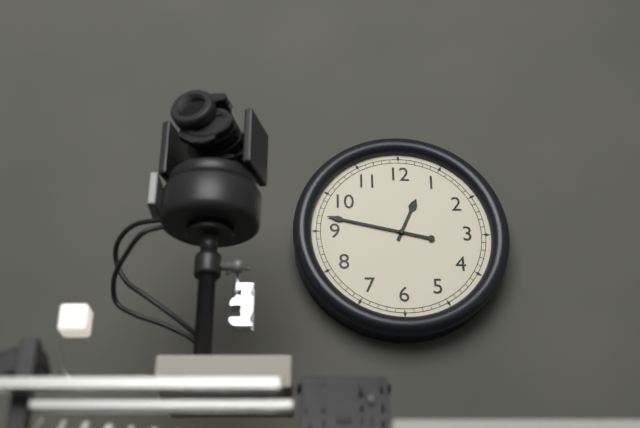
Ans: 12:47
